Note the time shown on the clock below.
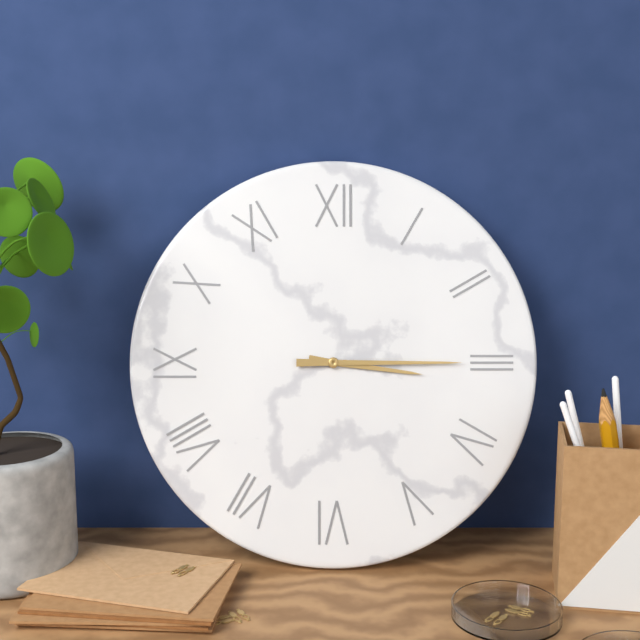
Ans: 3:15
